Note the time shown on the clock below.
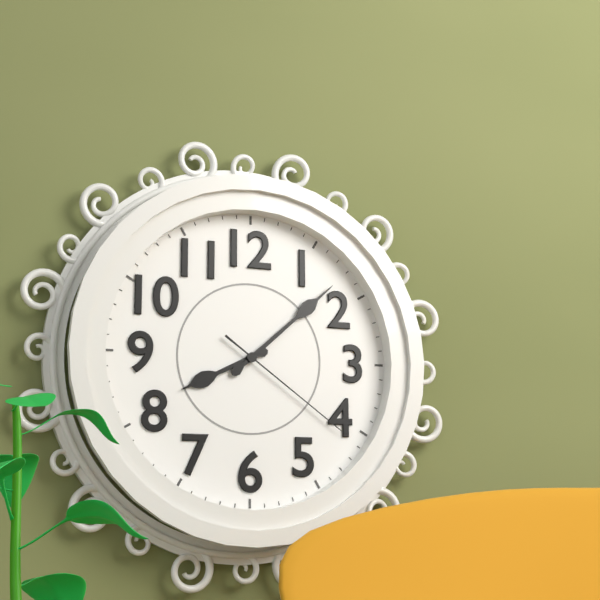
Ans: 8:08:21
